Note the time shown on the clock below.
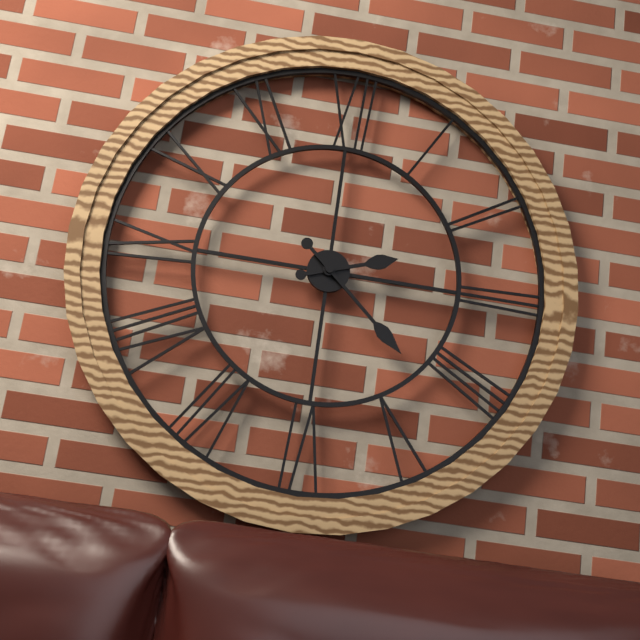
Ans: 2:22
